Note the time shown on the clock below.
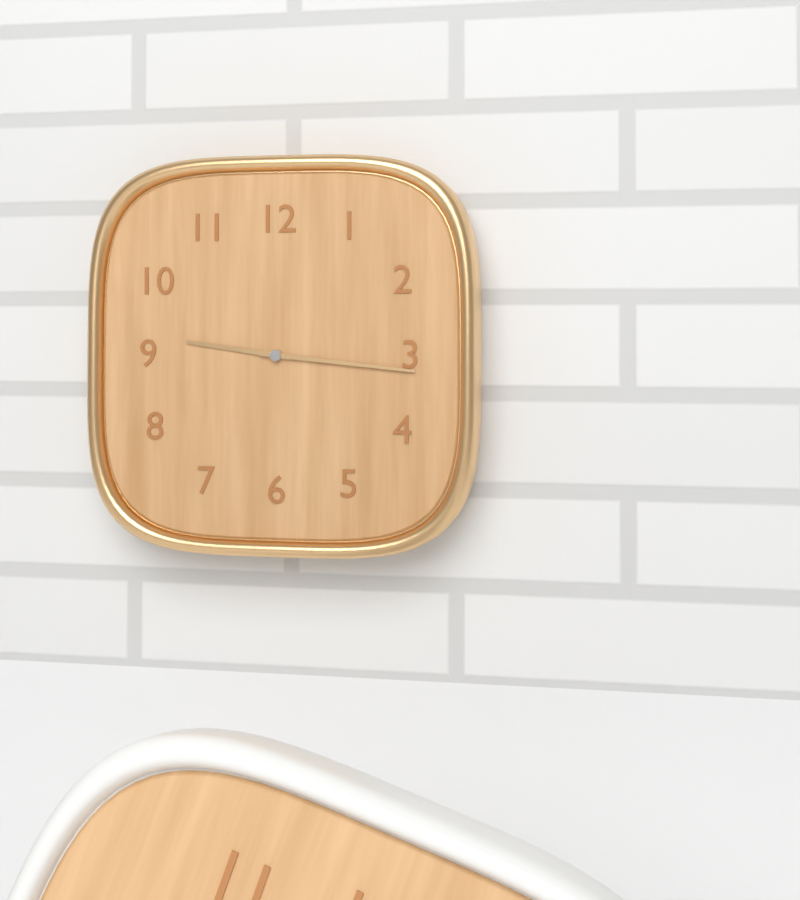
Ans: 9:16
